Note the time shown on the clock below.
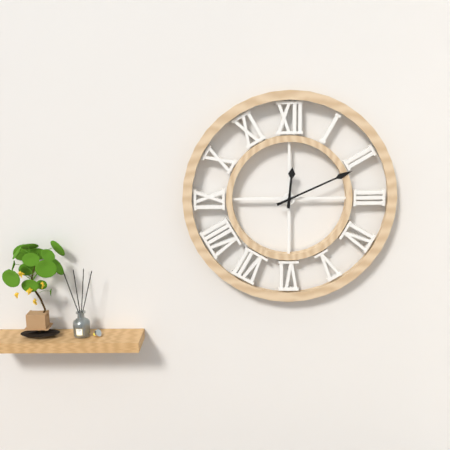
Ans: 12:11
